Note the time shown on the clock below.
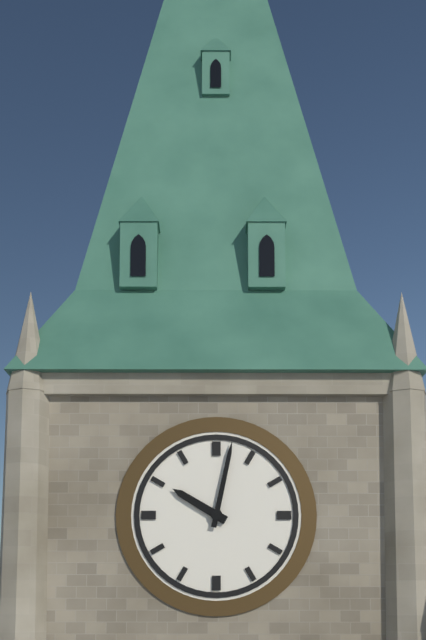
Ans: 10:02
